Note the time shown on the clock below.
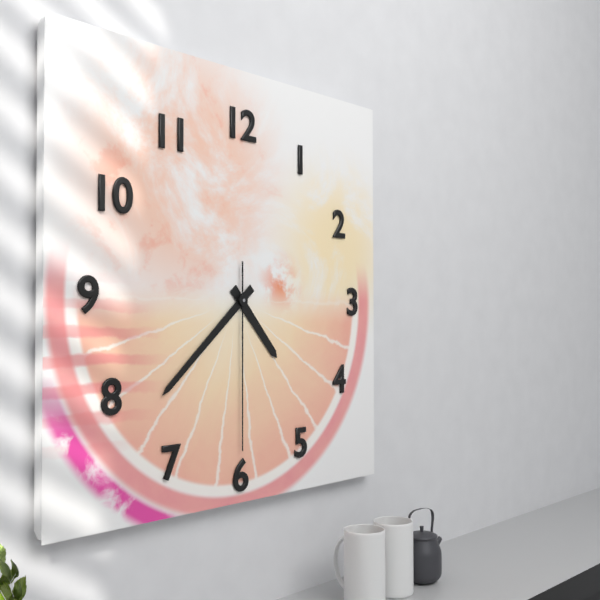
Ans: 4:38:30
